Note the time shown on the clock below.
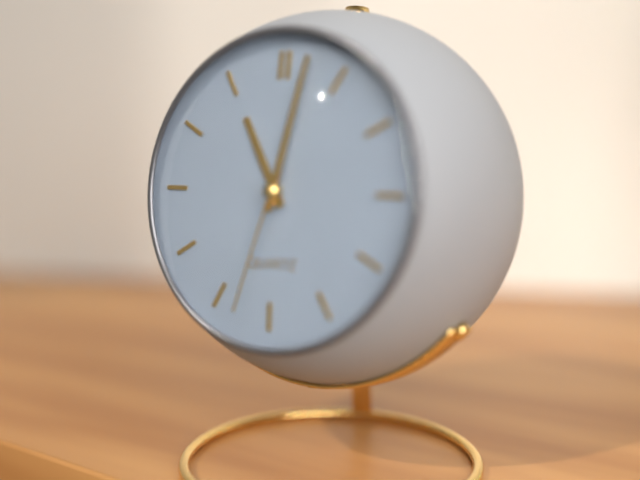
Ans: 11:02:33
